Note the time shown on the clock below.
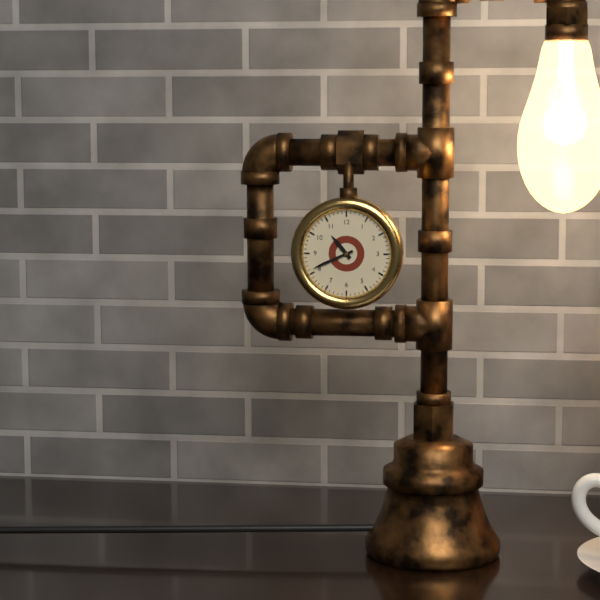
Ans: 10:41
